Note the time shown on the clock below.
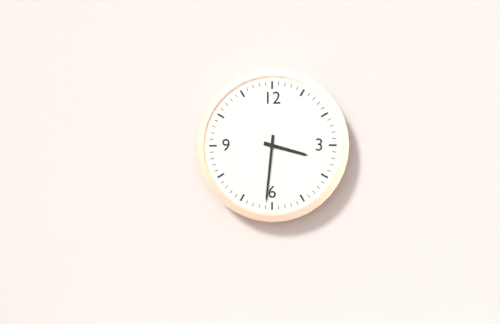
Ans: 3:31
